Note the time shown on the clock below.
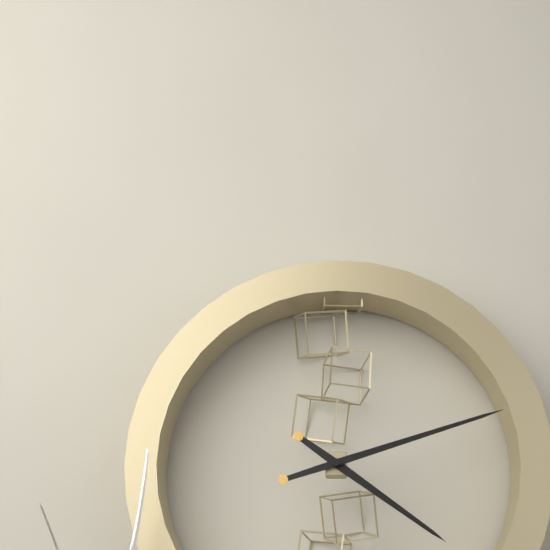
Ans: 4:12
